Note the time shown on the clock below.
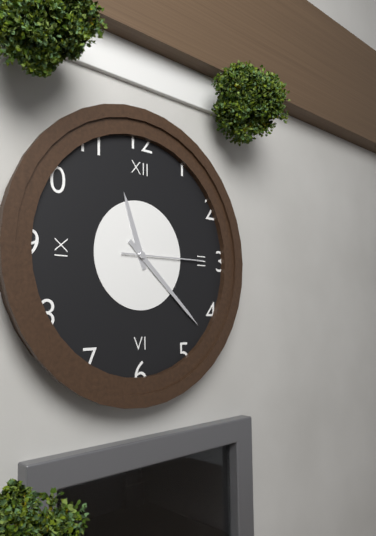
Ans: 11:22:15
